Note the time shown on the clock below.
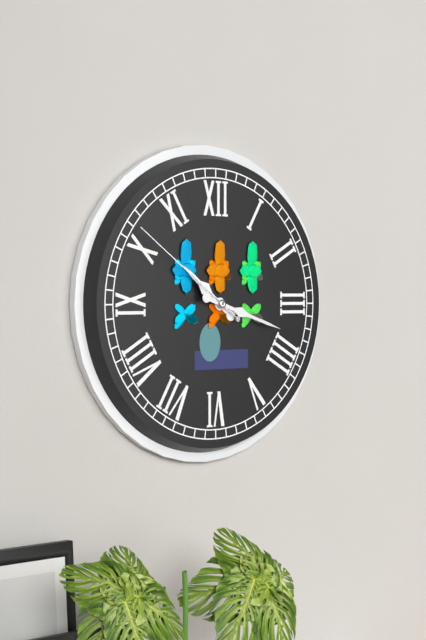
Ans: 10:18:51
